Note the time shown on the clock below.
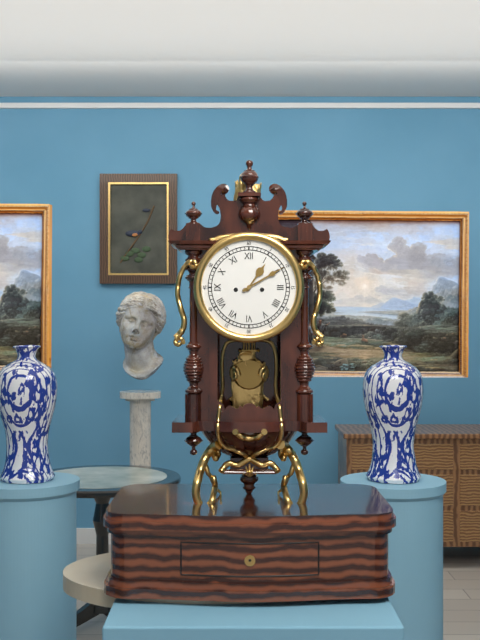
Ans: 1:10
